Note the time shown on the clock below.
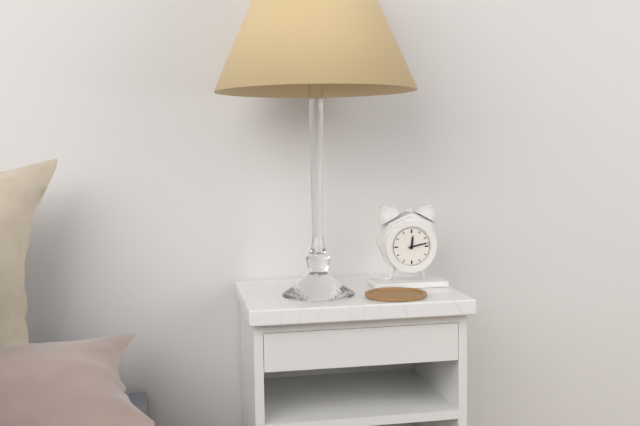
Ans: 12:13
